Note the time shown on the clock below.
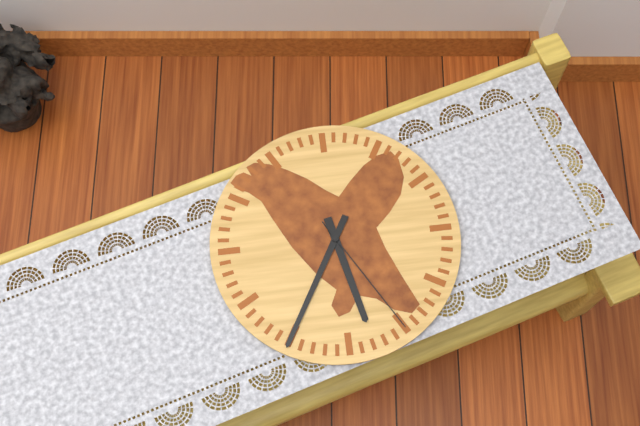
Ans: 5:35:25
